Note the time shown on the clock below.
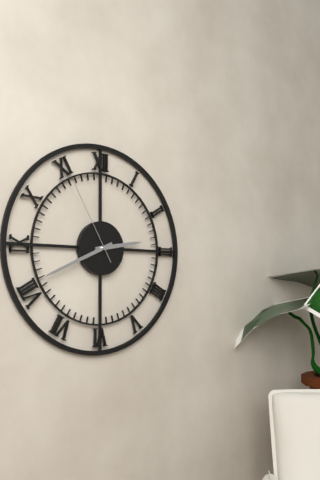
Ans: 2:41:55
